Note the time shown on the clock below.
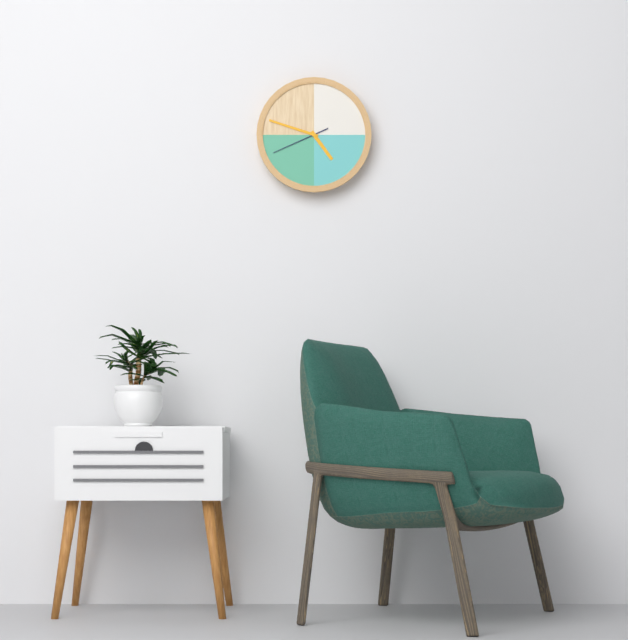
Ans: 4:48:41
